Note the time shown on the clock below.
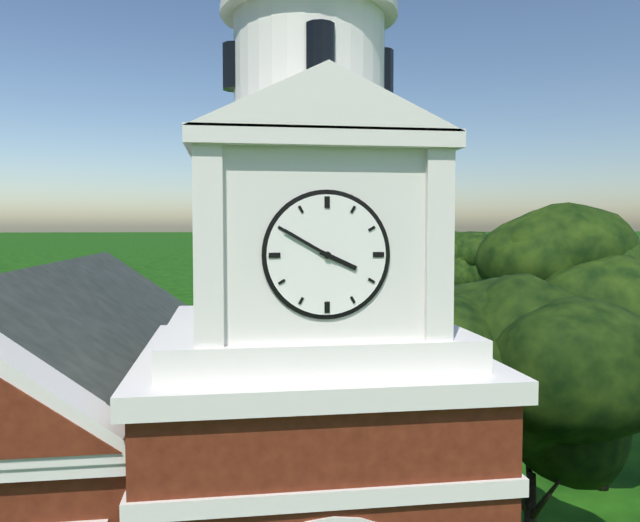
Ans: 3:50
